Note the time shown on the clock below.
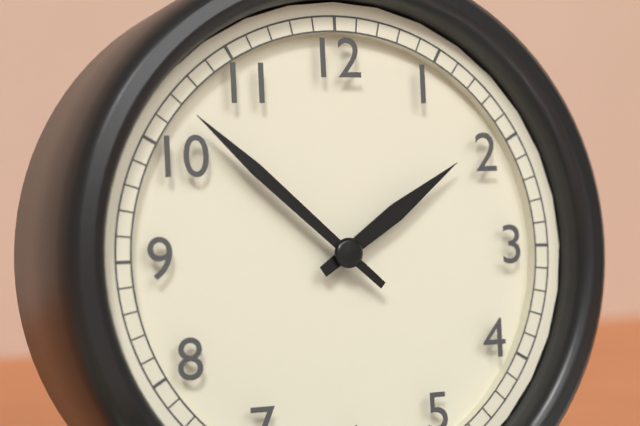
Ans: 1:52
